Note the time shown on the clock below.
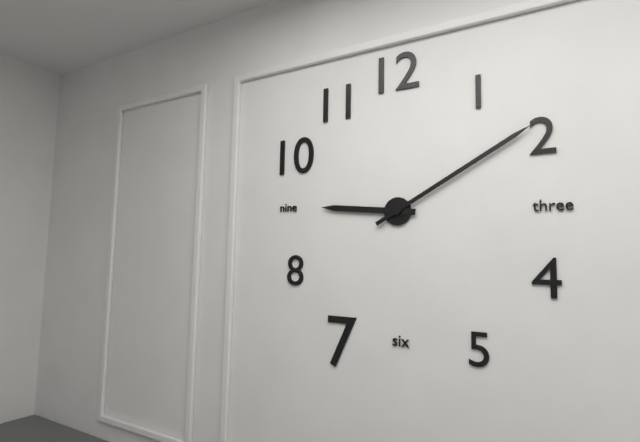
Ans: 9:10
